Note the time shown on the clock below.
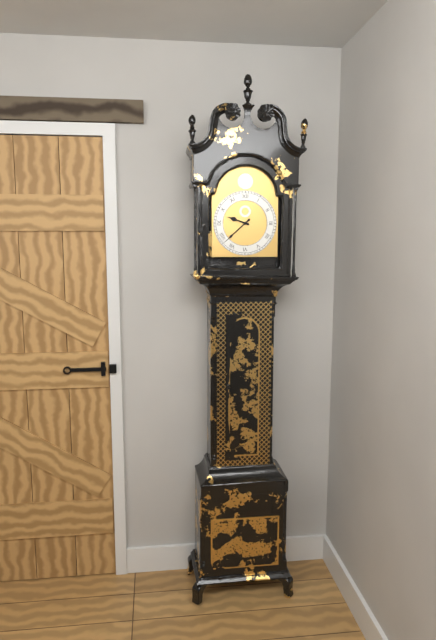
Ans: 9:38
